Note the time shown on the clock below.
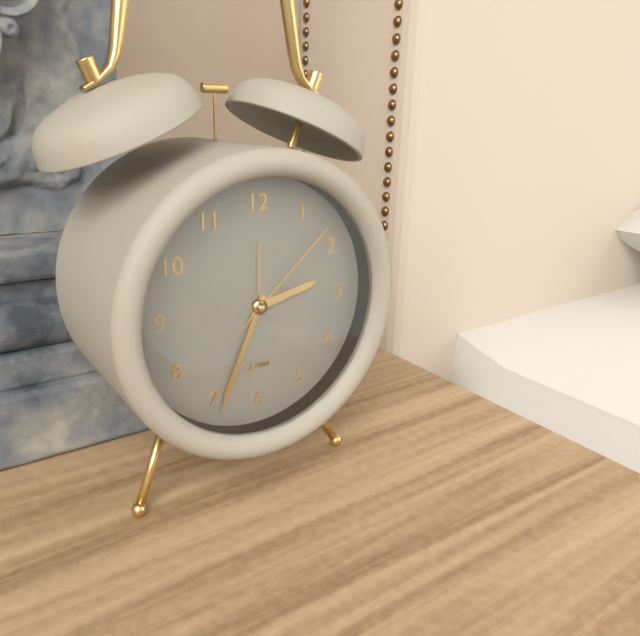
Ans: 2:34:08
